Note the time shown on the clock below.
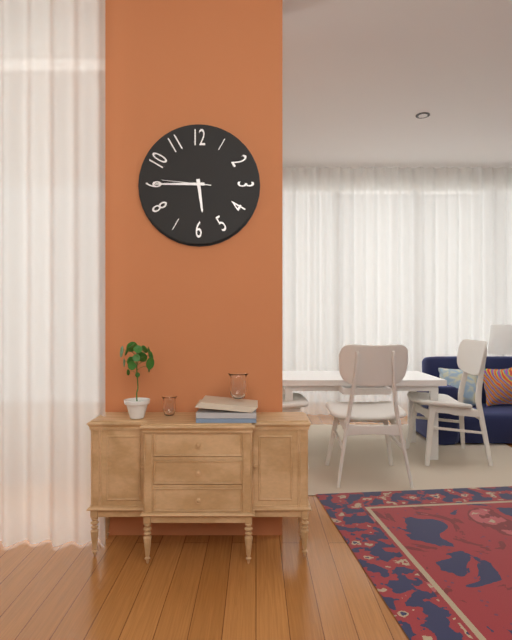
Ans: 5:45
